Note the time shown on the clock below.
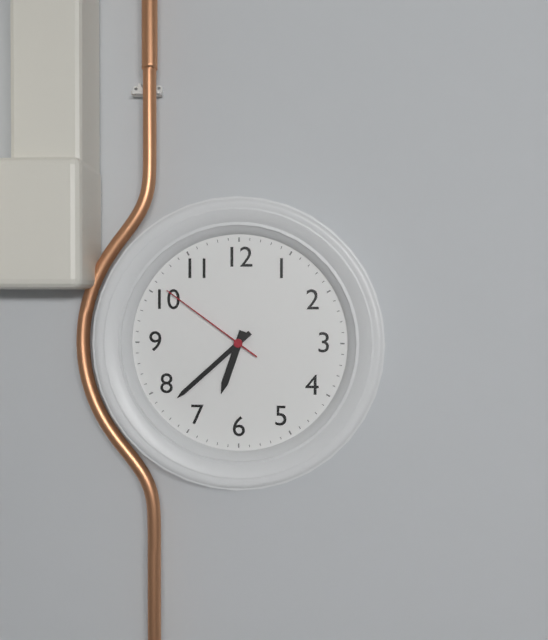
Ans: 6:38:51
